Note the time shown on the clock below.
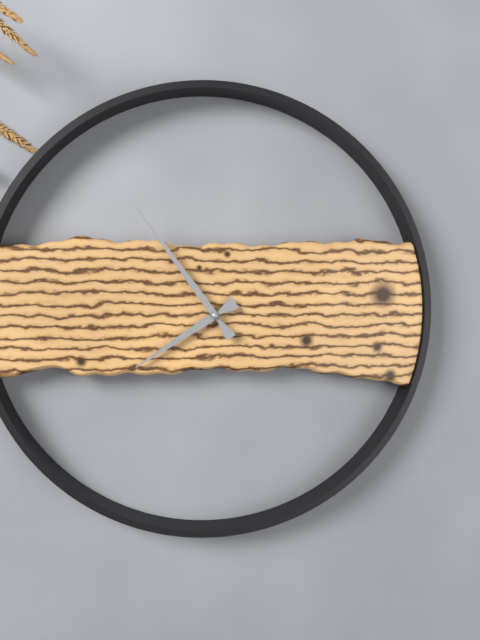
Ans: 7:54
